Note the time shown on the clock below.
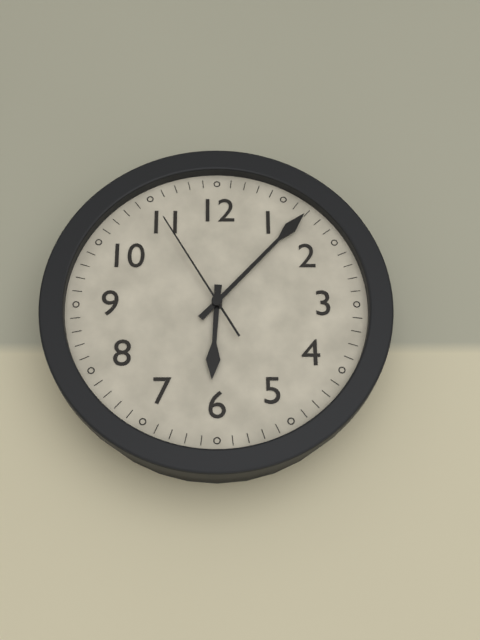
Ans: 6:07:55
